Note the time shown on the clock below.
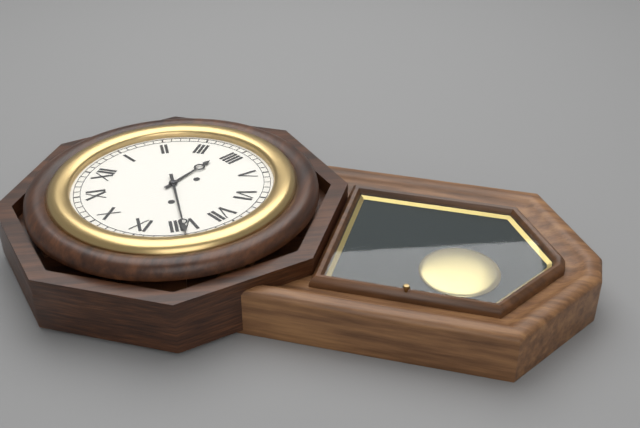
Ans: 3:40
